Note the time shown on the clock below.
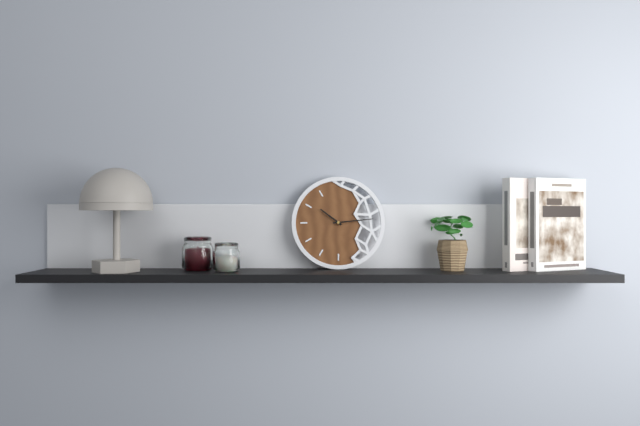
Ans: 10:14
